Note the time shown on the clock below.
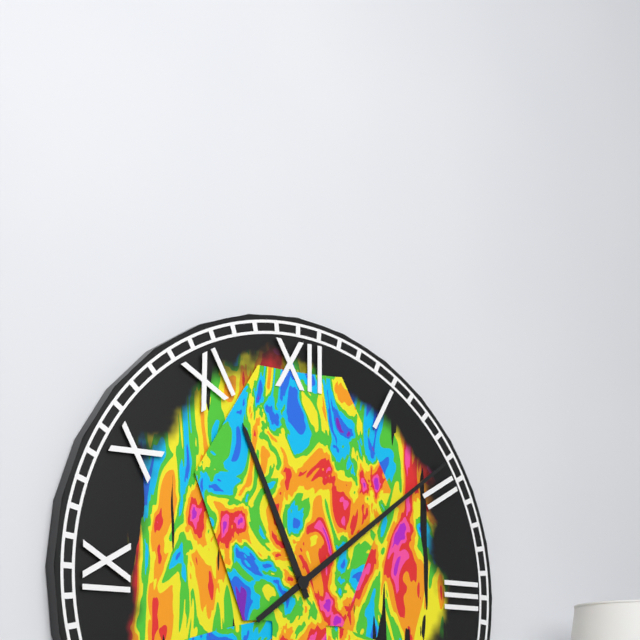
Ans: 11:09
